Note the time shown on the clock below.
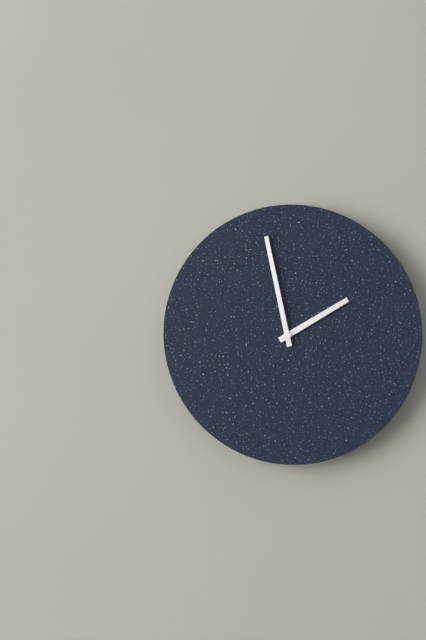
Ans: 1:58
